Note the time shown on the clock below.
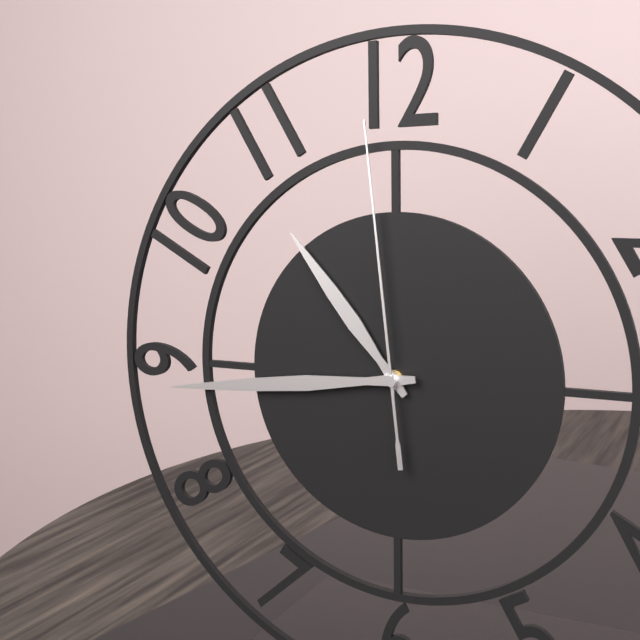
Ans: 10:44:59
